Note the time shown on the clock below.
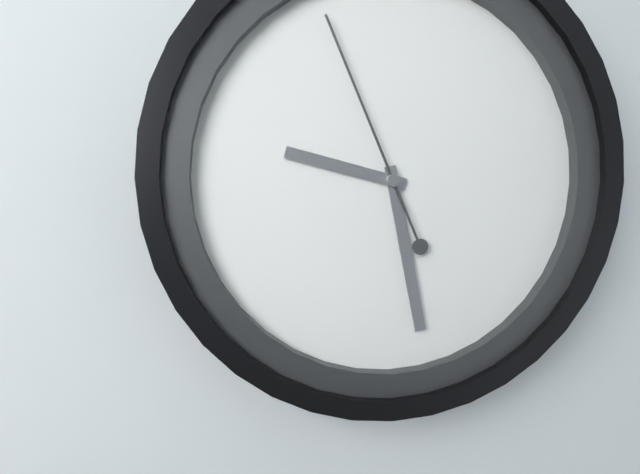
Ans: 9:28:56
